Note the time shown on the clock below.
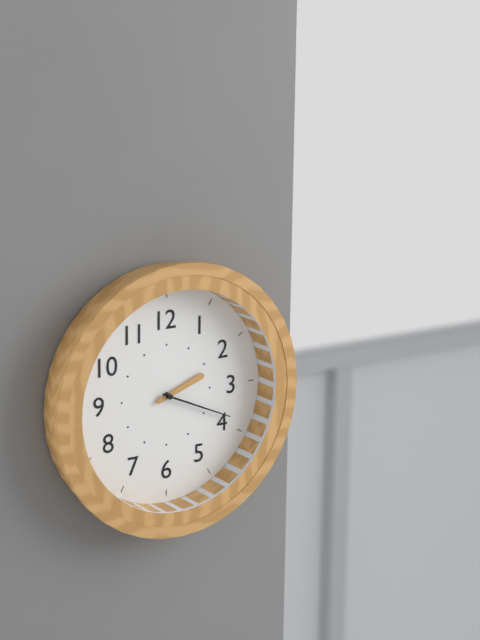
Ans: 2:19
